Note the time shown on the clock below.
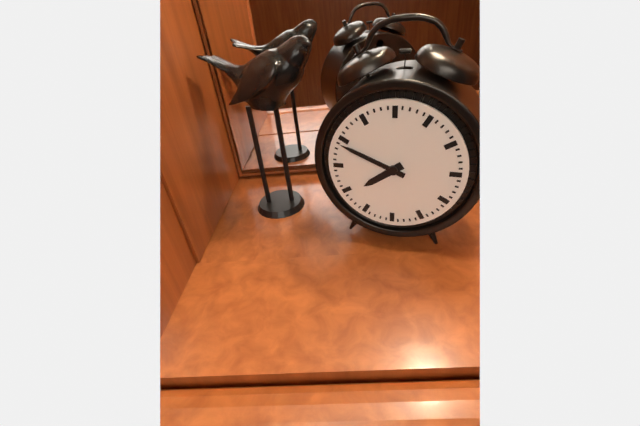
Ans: 7:49
